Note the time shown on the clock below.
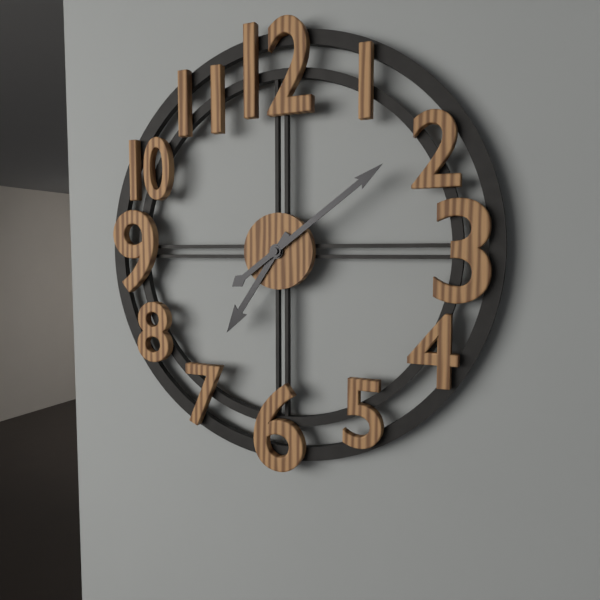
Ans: 7:09
